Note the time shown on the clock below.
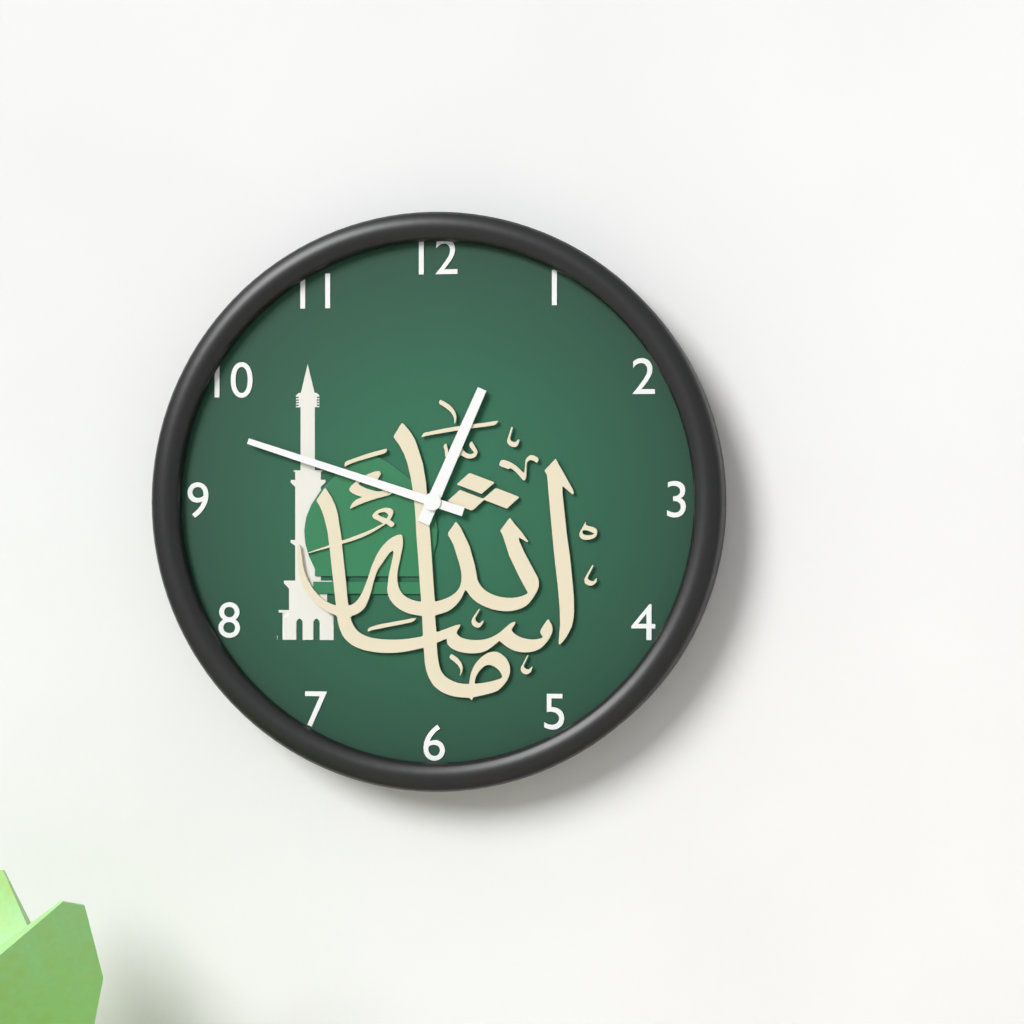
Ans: 12:48
